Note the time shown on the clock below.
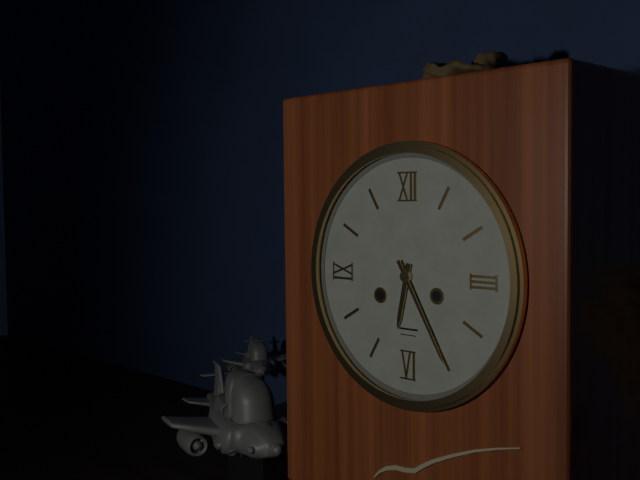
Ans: 6:25
